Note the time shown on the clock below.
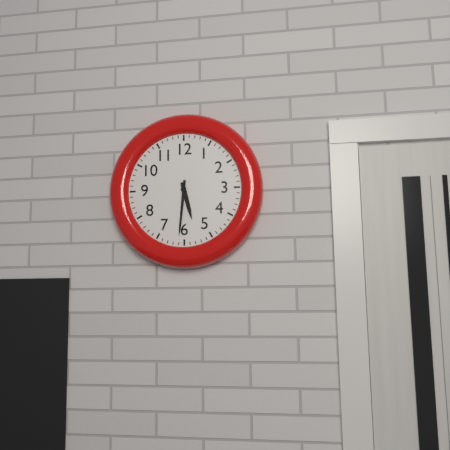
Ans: 5:31
